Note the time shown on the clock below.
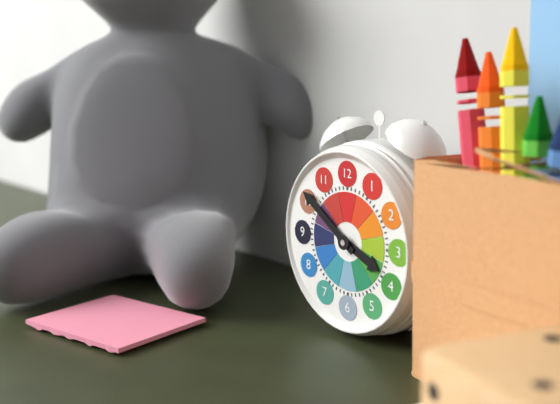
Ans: 3:51
